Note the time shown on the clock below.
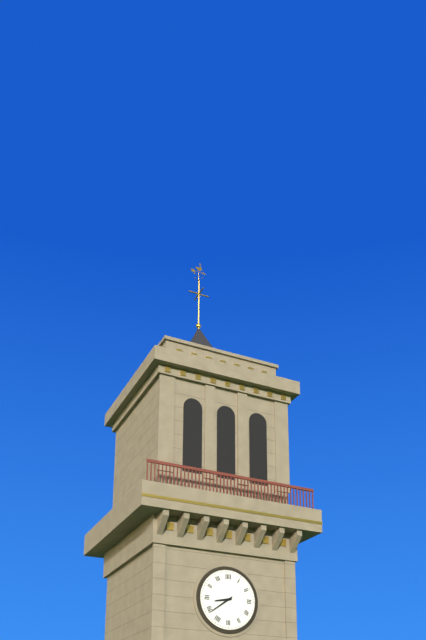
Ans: 8:39
